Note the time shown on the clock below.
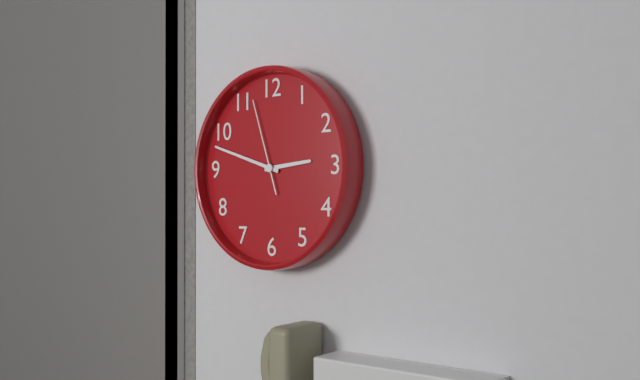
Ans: 2:48:57
